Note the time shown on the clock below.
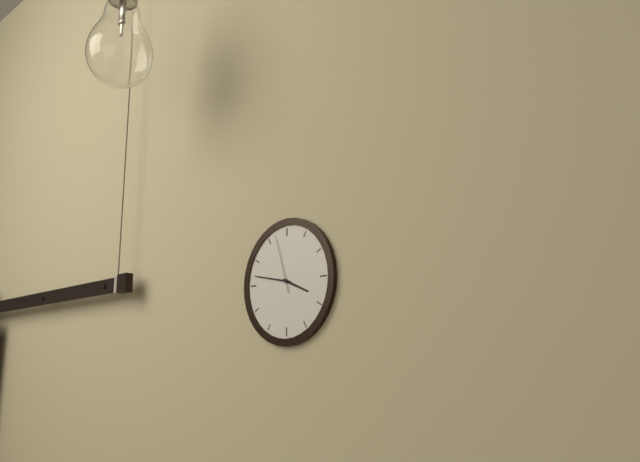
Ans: 3:47:57
